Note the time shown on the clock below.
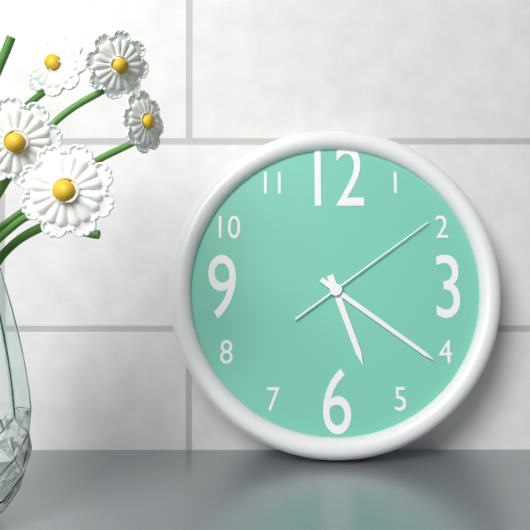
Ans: 5:21:09
